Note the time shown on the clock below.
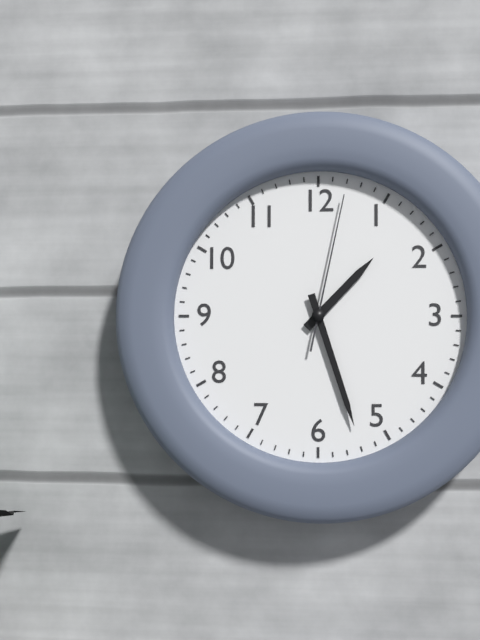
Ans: 1:27:02
